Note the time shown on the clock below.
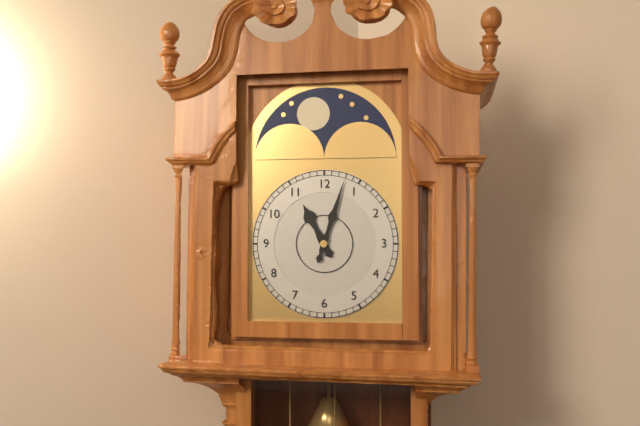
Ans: 11:03
